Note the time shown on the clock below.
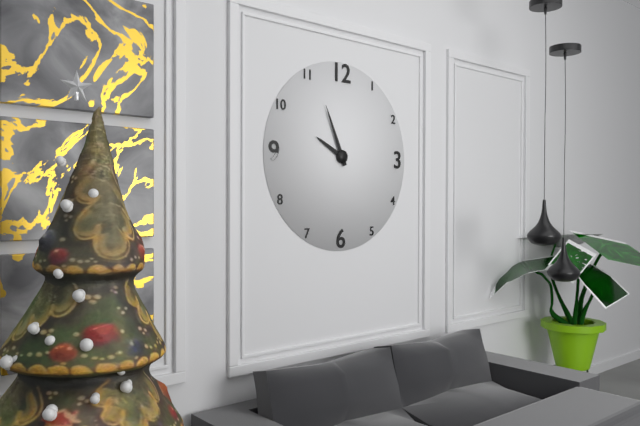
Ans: 9:56
